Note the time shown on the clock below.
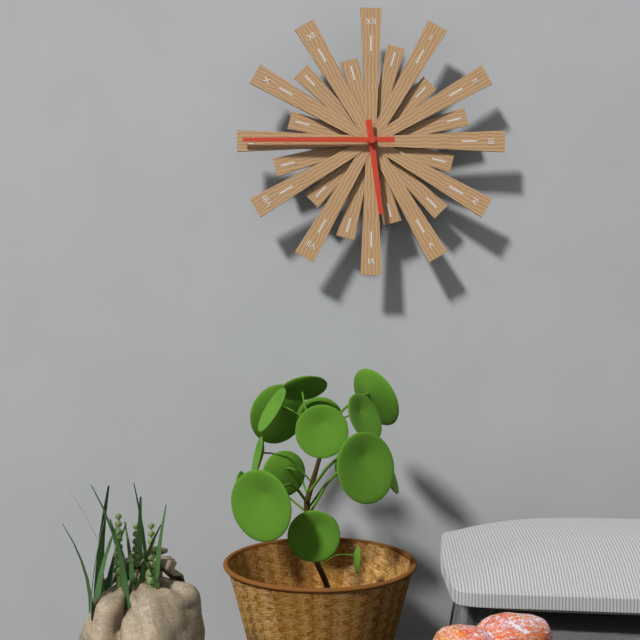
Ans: 5:45
